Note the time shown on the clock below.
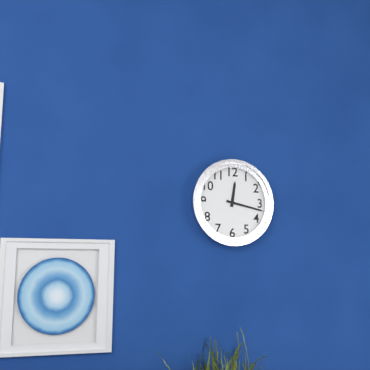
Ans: 12:17
